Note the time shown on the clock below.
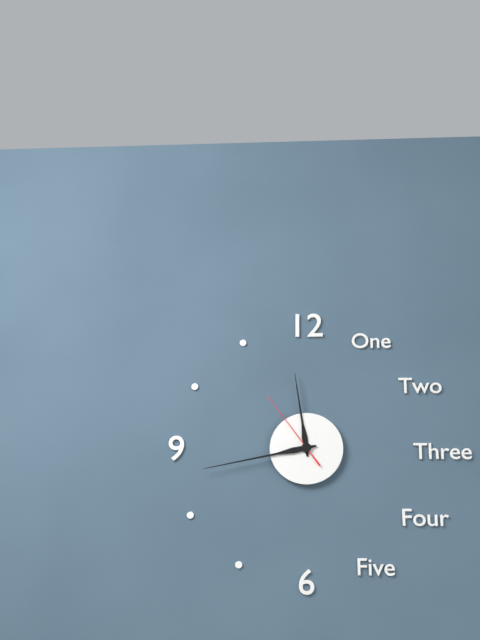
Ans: 11:43:54
